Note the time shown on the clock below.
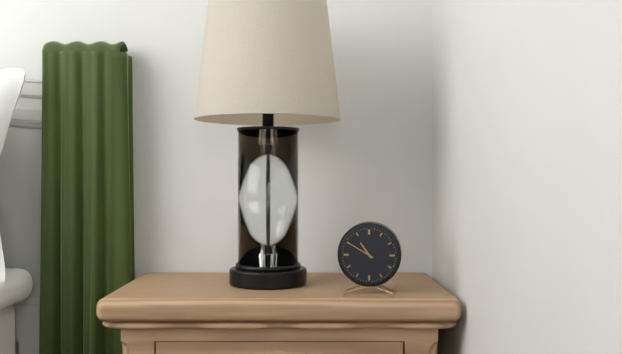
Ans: 10:50
